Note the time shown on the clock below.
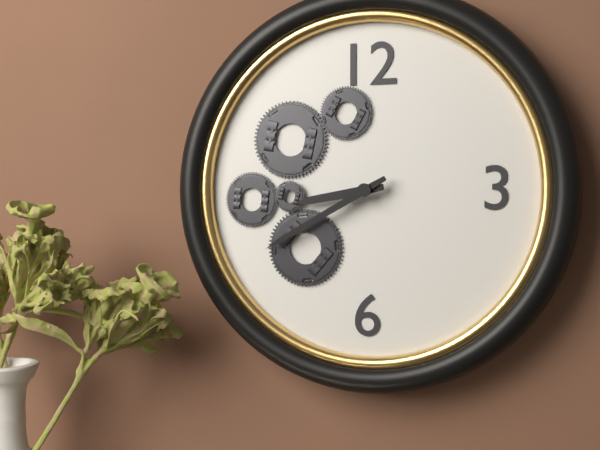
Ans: 8:40
